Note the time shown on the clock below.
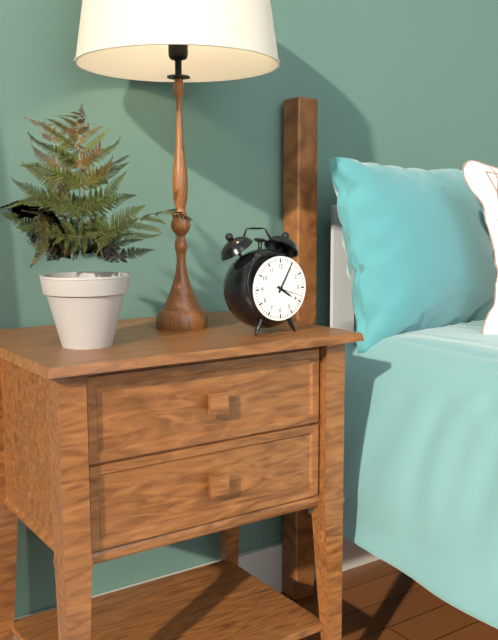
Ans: 4:05
